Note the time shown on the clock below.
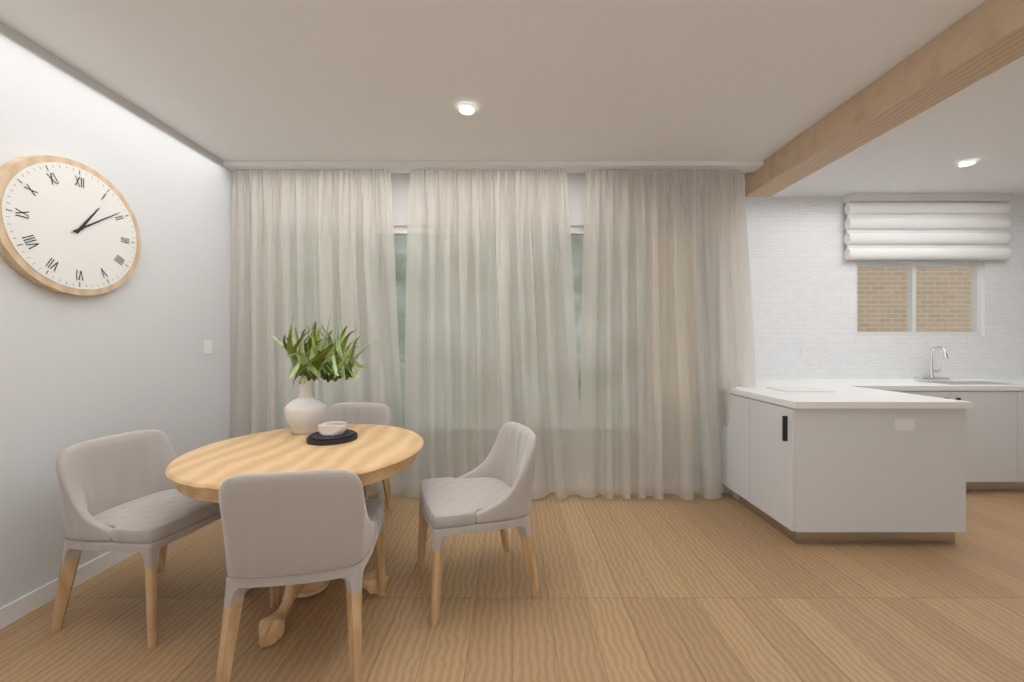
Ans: 1:09
